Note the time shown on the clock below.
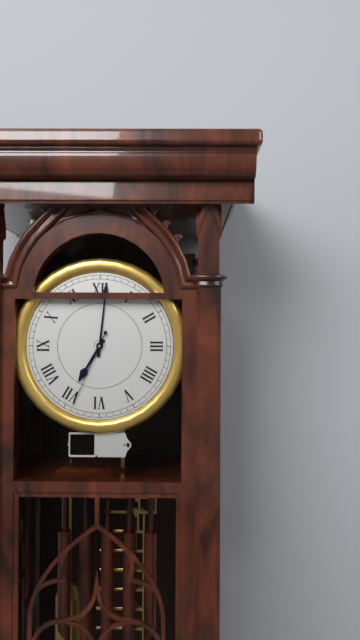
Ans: 7:01:34
